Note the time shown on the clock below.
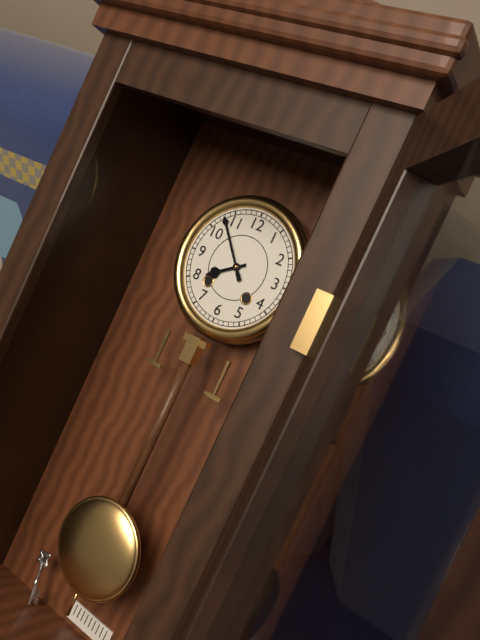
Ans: 7:53
